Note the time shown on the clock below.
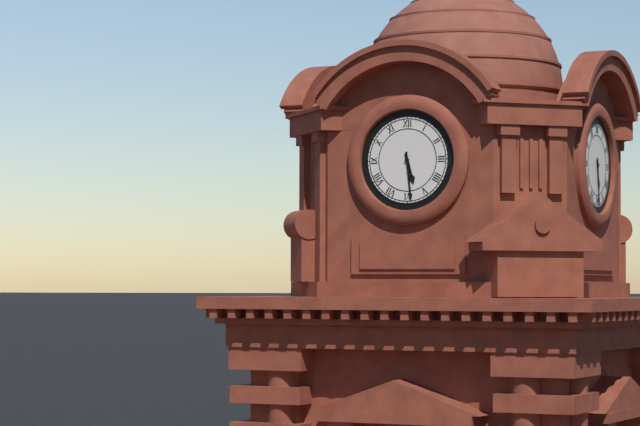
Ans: 5:29
